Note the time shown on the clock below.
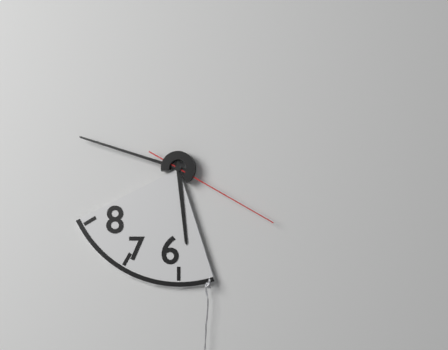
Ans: 5:48:20
